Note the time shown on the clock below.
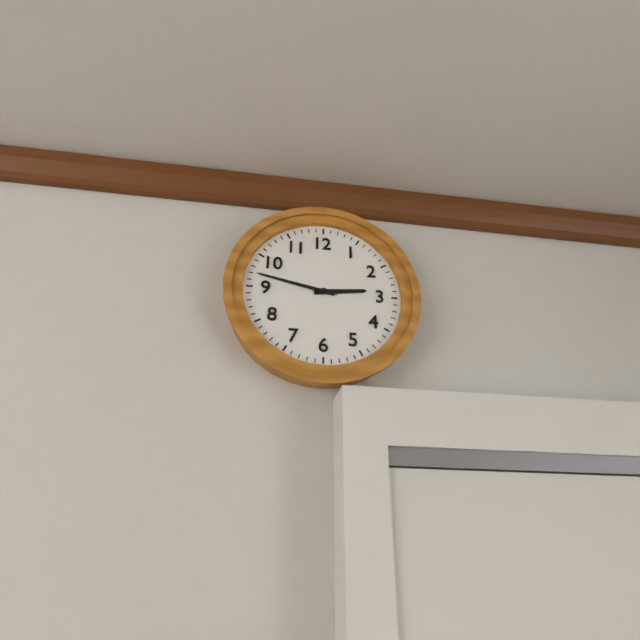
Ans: 2:47
